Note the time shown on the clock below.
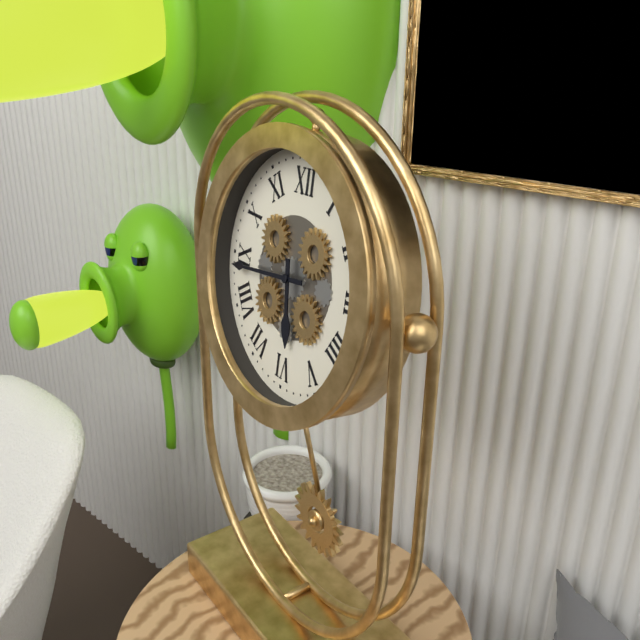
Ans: 5:44
